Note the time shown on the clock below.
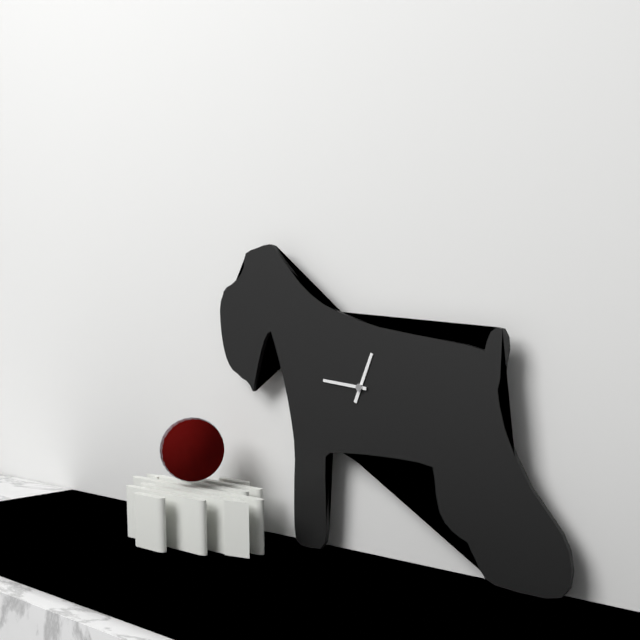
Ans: 12:46
